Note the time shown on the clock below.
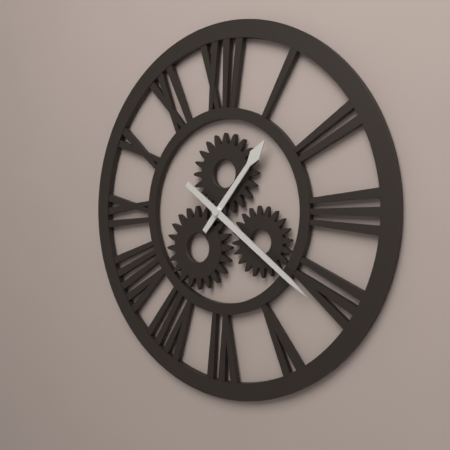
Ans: 1:21
